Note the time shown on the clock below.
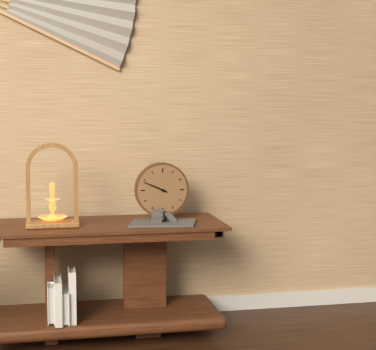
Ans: 9:49
